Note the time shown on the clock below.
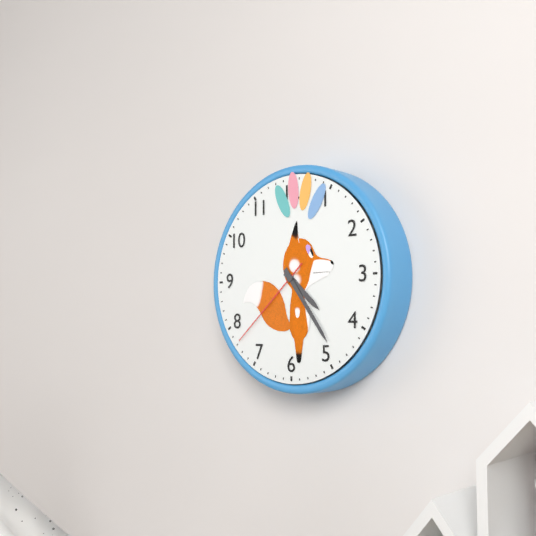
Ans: 4:24:38
